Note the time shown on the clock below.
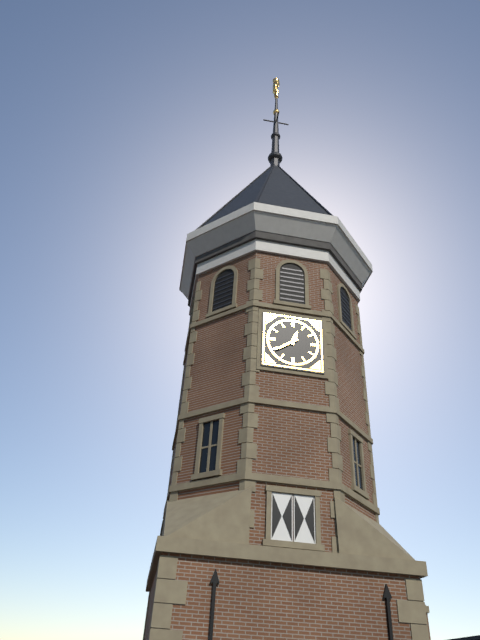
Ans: 12:39
